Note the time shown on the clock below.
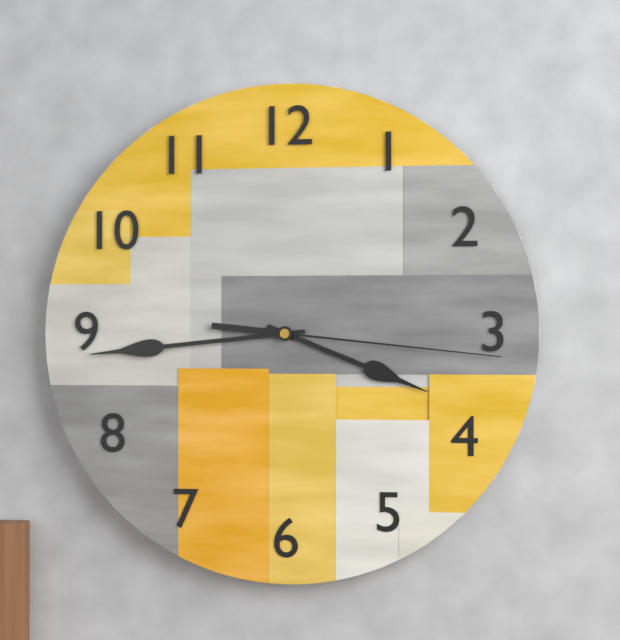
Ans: 3:44:16
